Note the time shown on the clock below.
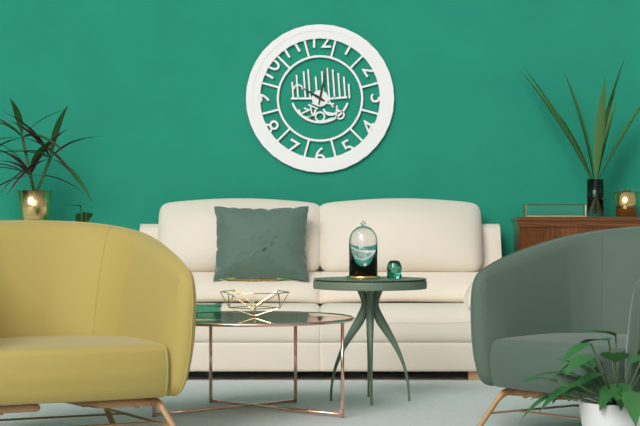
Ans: 10:02
